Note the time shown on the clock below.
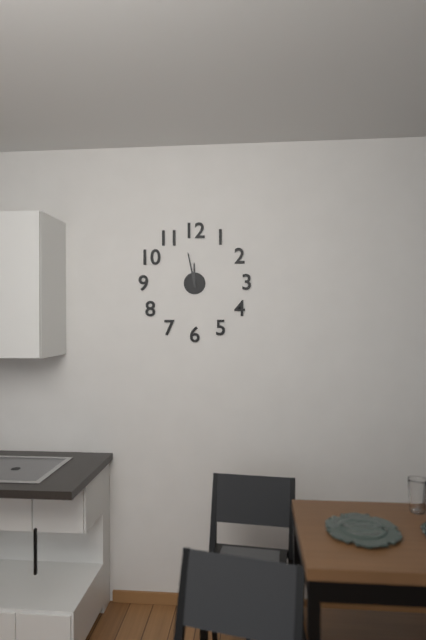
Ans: 11:58
